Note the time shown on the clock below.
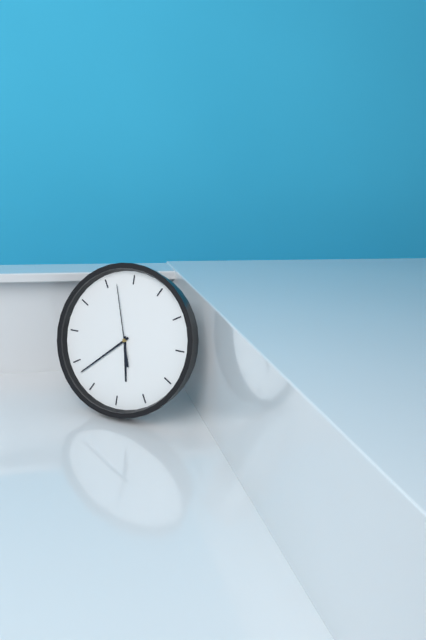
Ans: 5:38:57
